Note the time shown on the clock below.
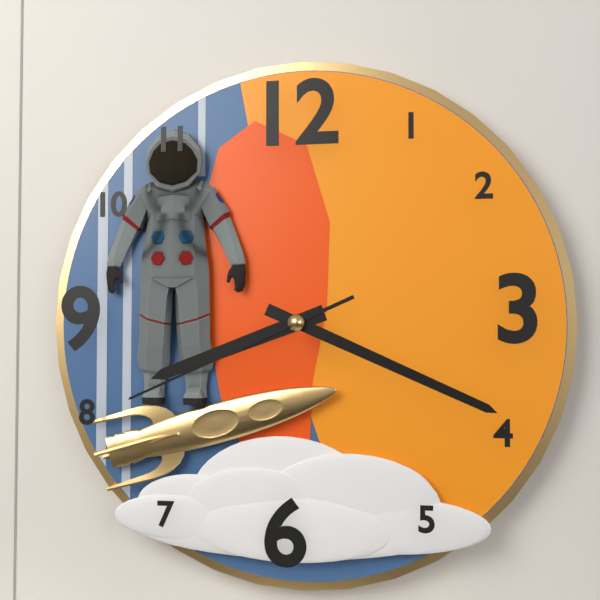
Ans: 8:19:41
